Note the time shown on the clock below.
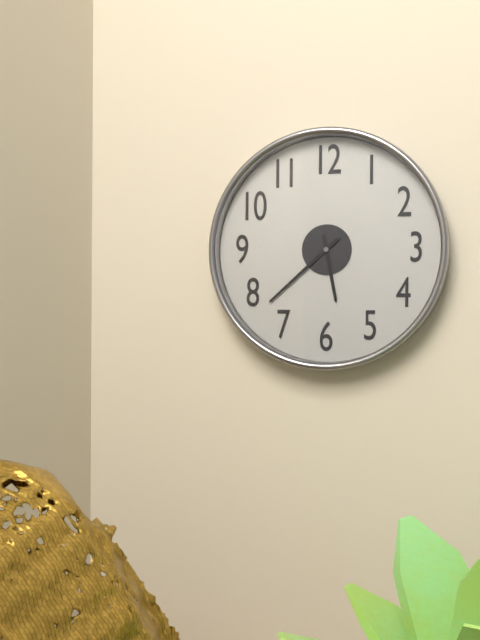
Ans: 5:38
